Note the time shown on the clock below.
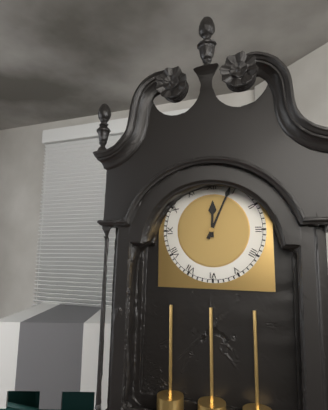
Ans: 12:04
